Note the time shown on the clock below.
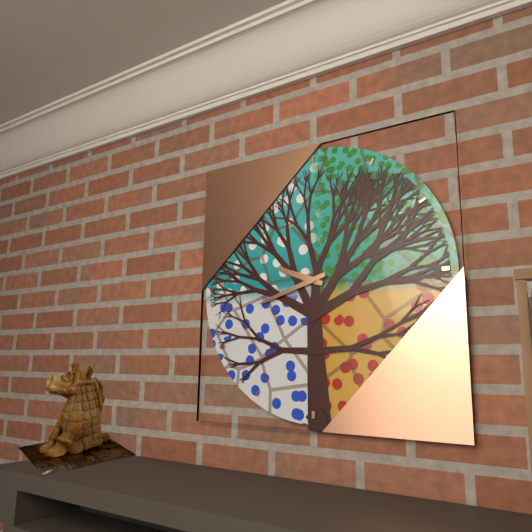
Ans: 9:42
